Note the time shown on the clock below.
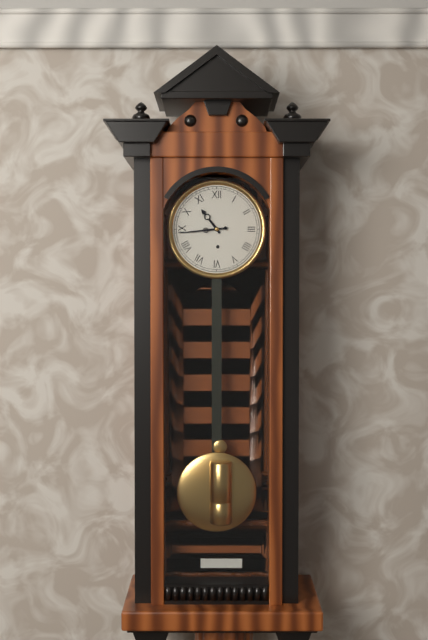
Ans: 10:44
